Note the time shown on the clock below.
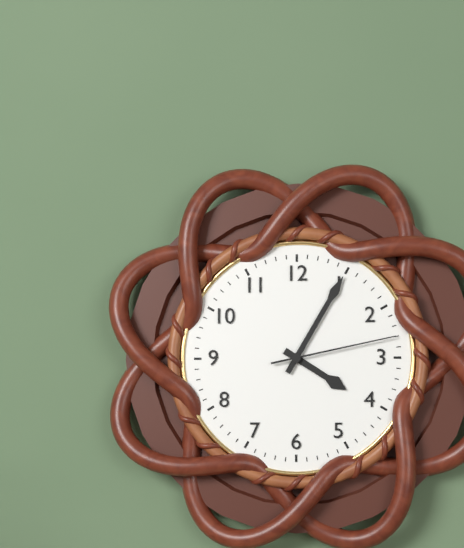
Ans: 4:05:13
